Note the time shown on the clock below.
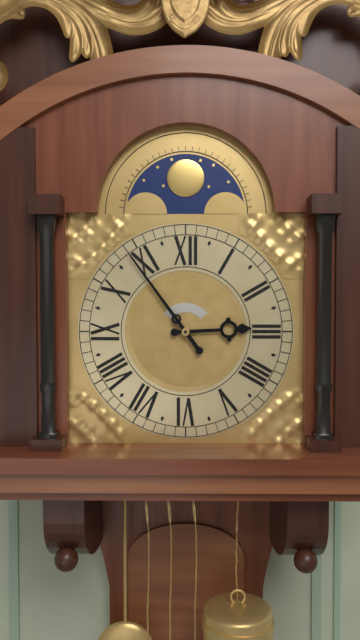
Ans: 2:54
